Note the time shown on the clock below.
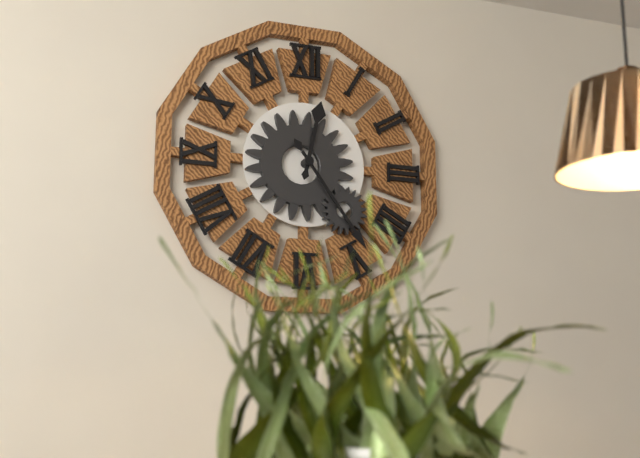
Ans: 12:24
